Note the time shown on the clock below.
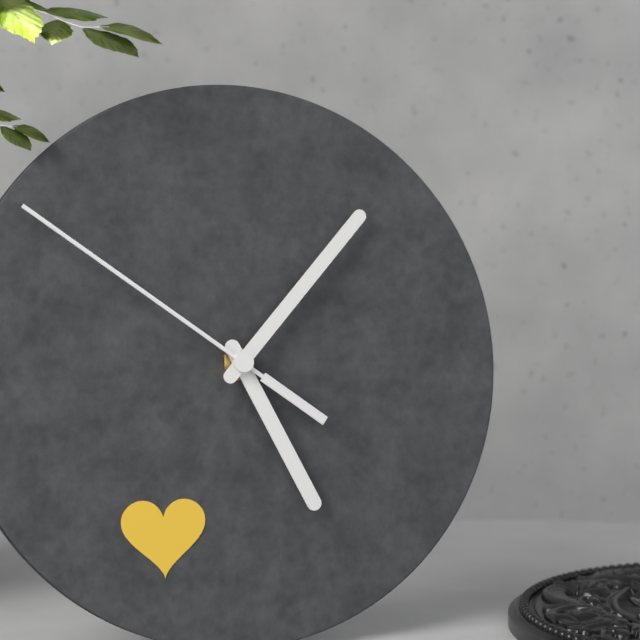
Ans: 5:07:51
